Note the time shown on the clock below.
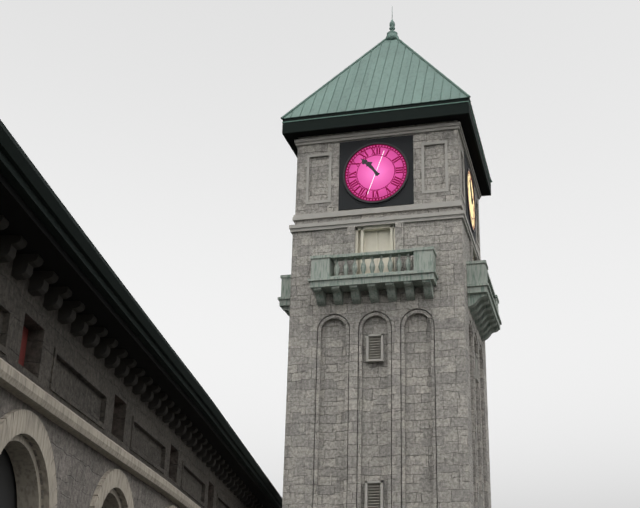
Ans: 10:53
